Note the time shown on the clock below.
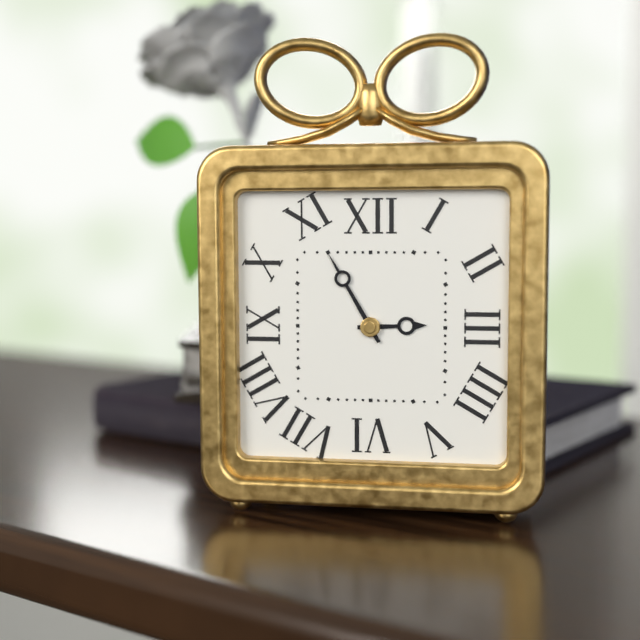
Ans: 2:55
